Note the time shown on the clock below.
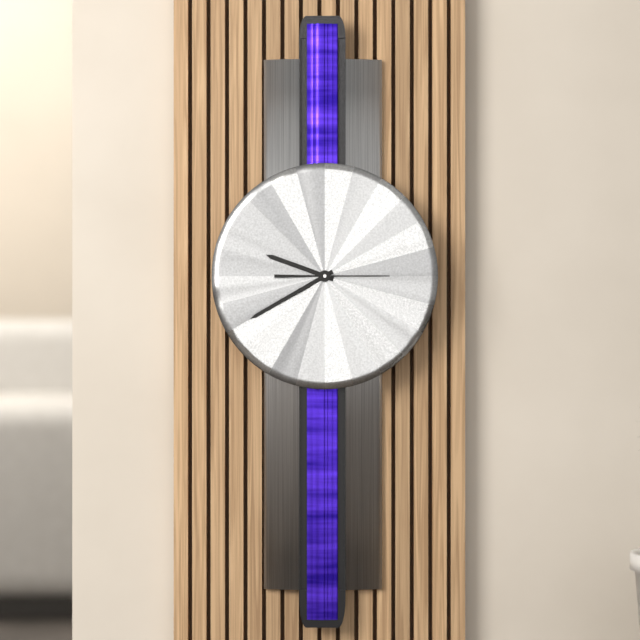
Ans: 9:40:15
